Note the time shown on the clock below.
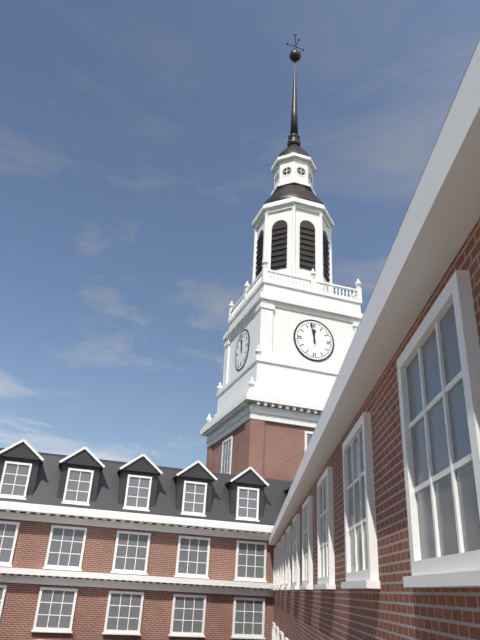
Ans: 11:58
